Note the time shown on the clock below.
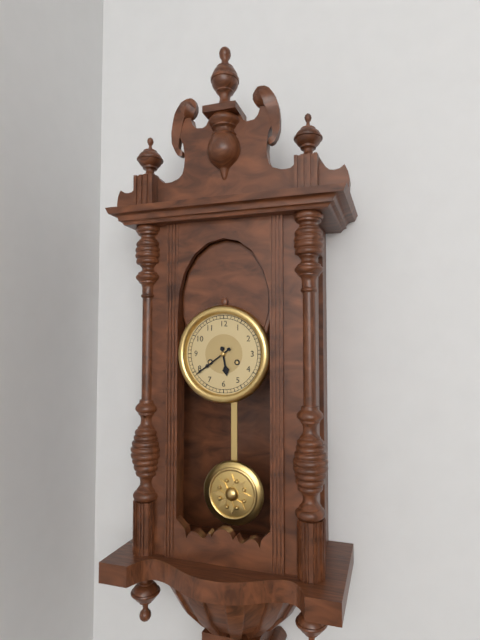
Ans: 5:39
